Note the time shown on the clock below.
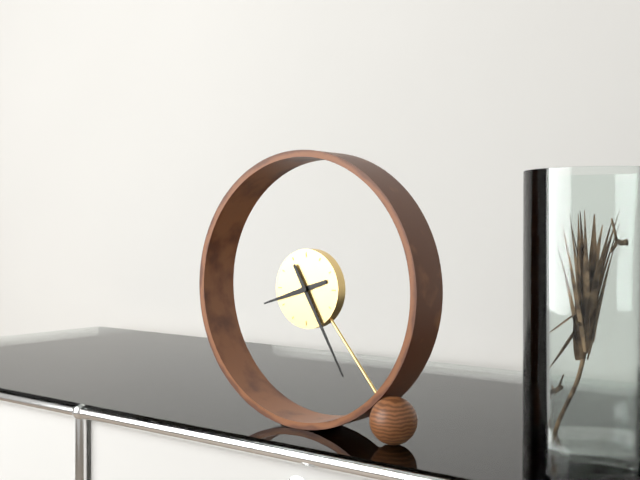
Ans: 8:25
